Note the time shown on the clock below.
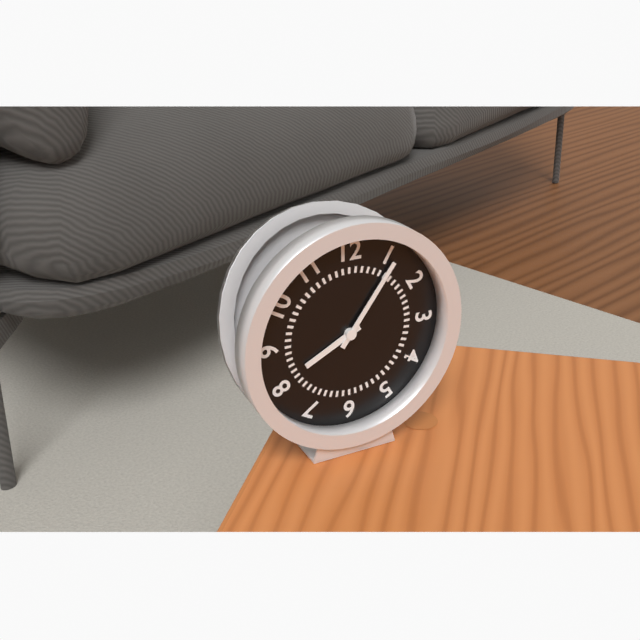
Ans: 8:06
